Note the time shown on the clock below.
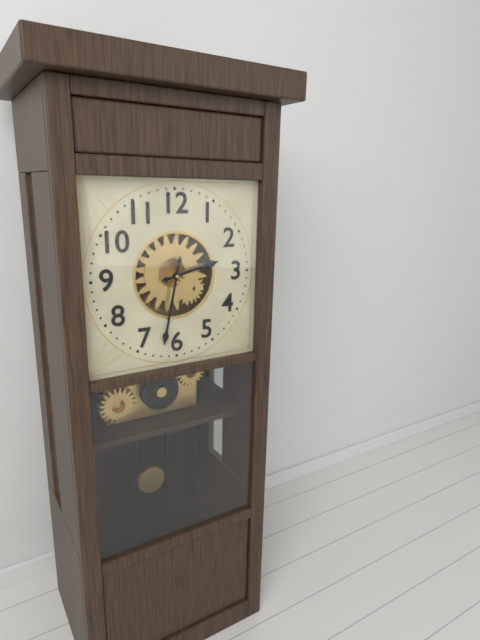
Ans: 2:32
